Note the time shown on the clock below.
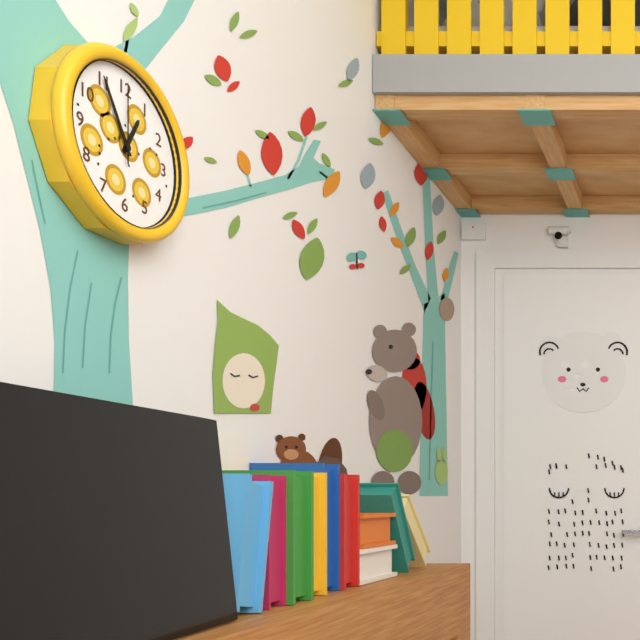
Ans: 12:55:00
